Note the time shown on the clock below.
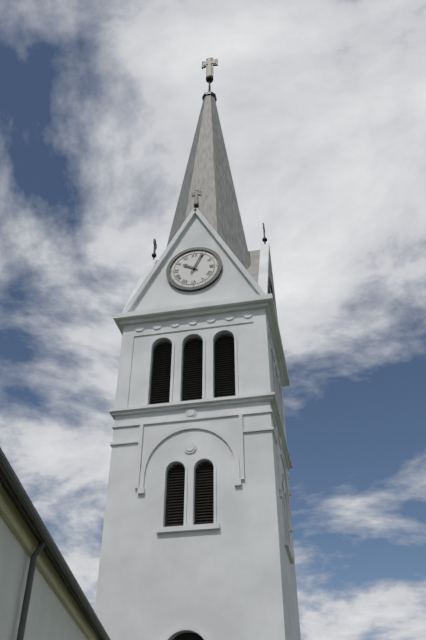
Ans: 10:04
